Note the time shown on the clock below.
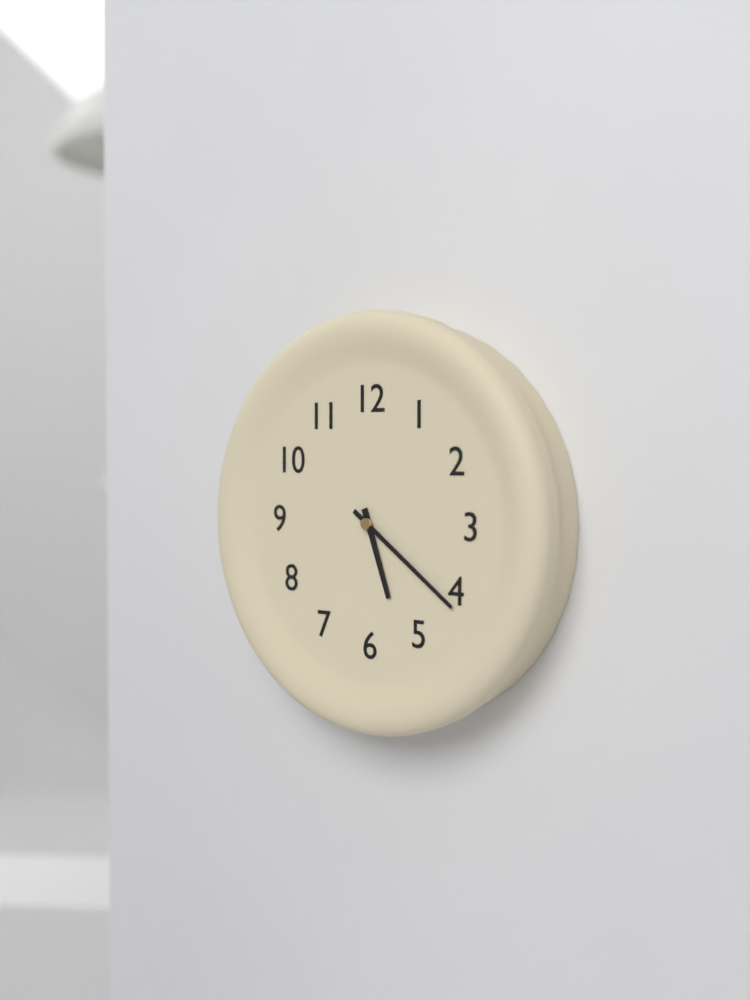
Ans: 5:21
